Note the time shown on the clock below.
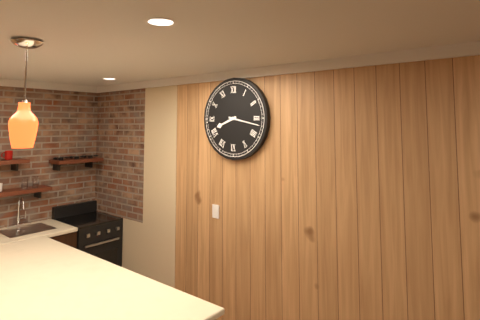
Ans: 8:17
